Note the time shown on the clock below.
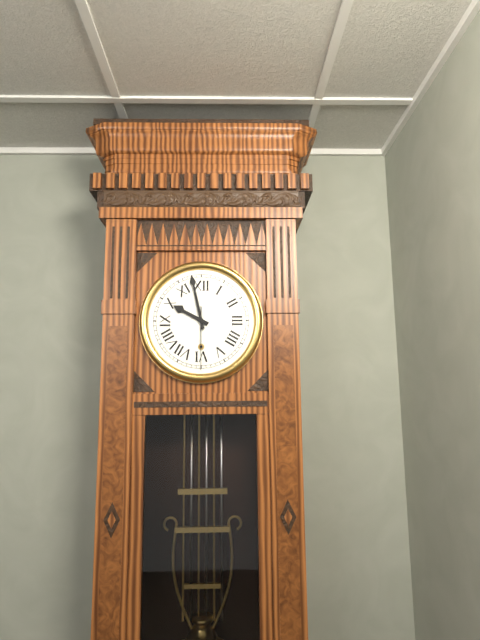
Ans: 9:58
